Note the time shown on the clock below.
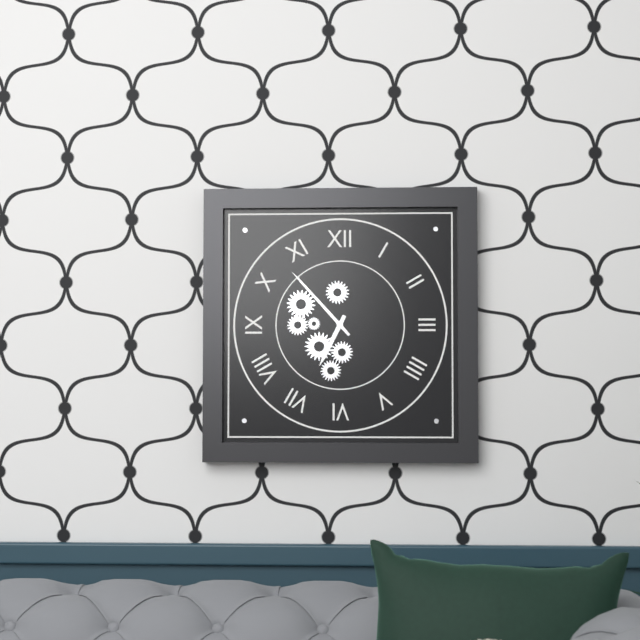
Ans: 6:53
